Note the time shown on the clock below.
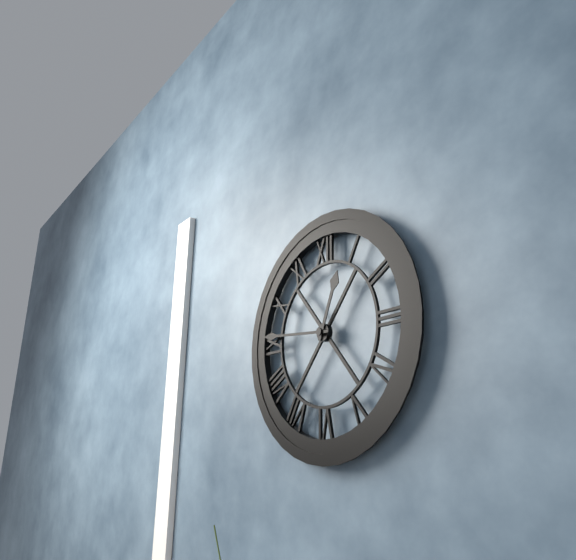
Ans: 12:46
